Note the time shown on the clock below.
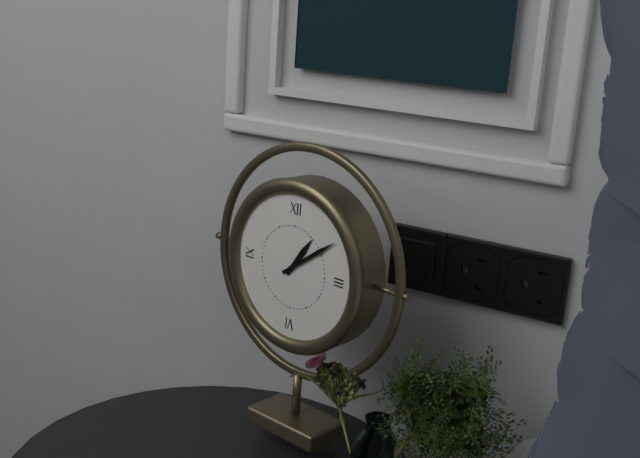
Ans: 1:09
